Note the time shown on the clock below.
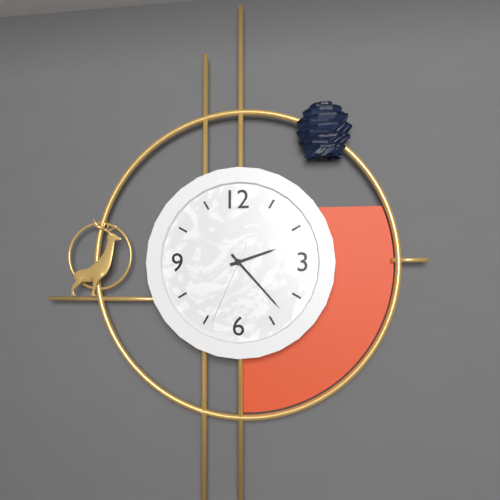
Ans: 2:23:34
